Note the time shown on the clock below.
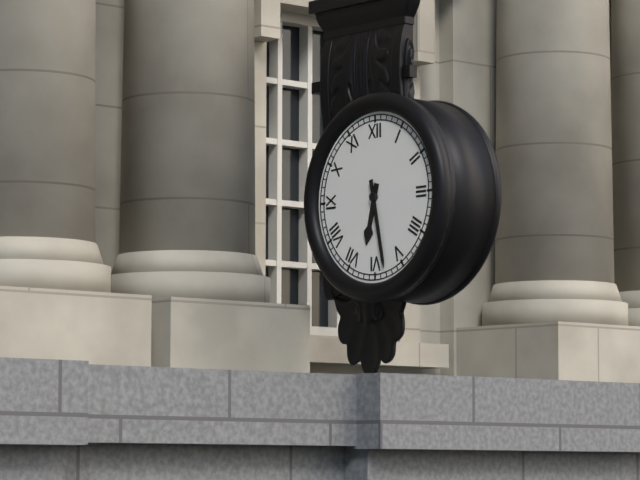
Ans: 6:28
